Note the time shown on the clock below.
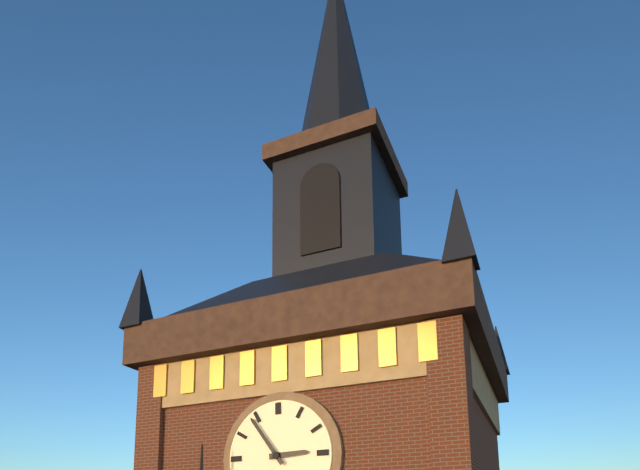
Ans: 2:54
